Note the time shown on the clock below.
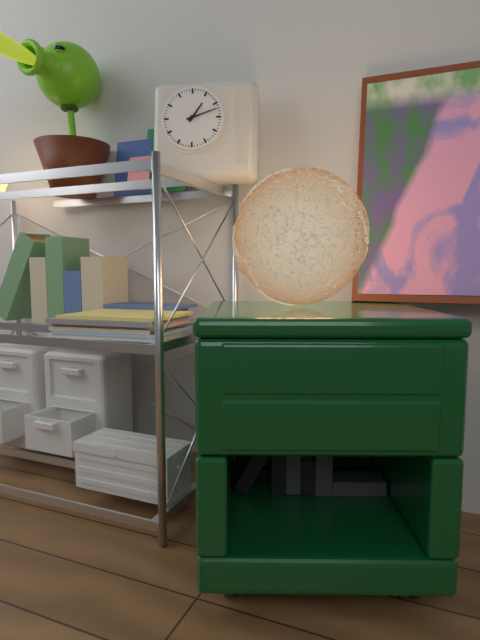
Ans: 1:12
